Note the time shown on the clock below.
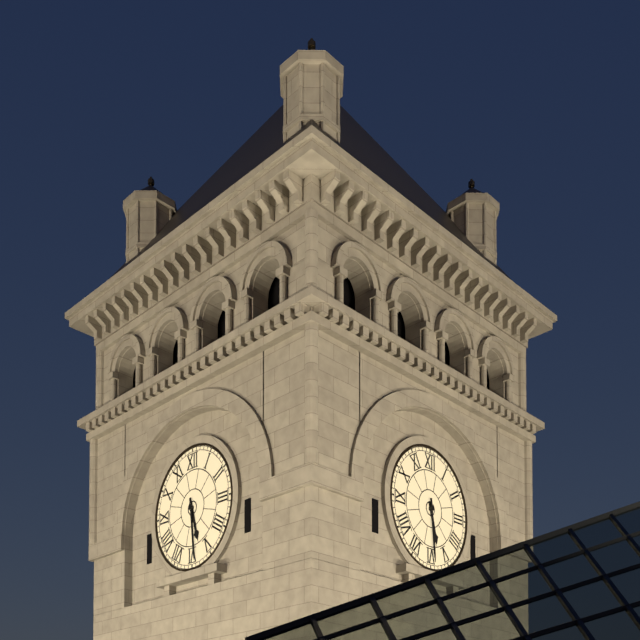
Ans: 5:29
